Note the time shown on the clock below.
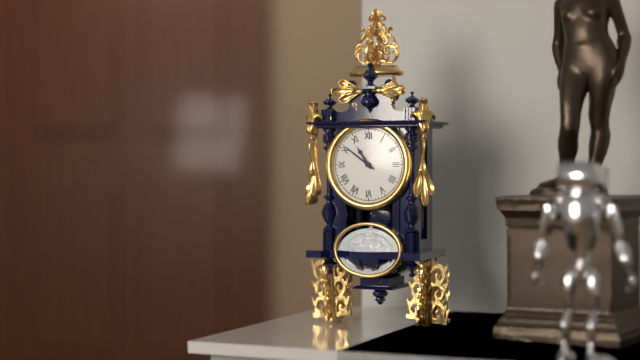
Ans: 10:51
